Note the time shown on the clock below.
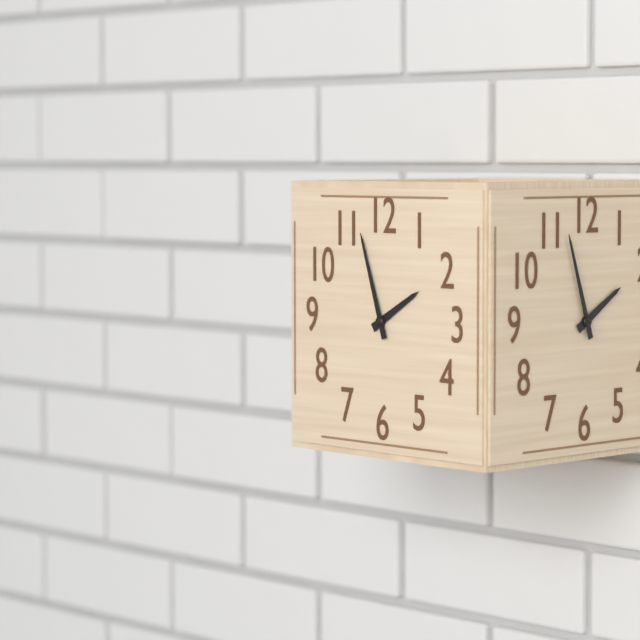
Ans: 1:57
